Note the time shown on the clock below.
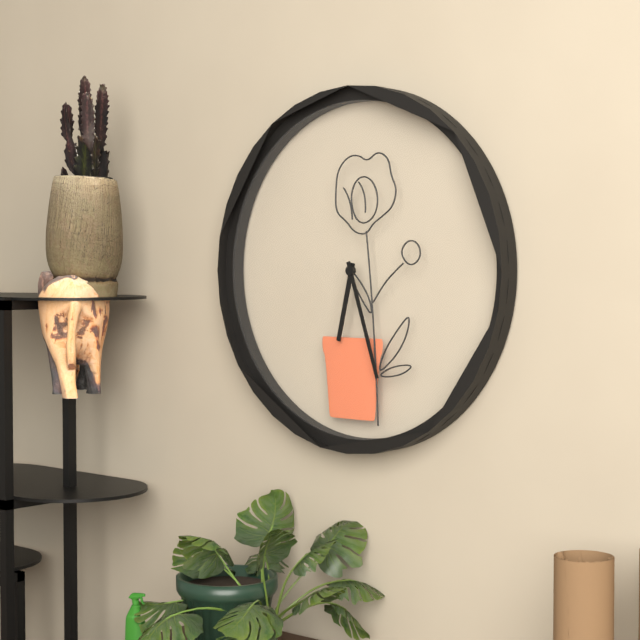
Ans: 6:27
